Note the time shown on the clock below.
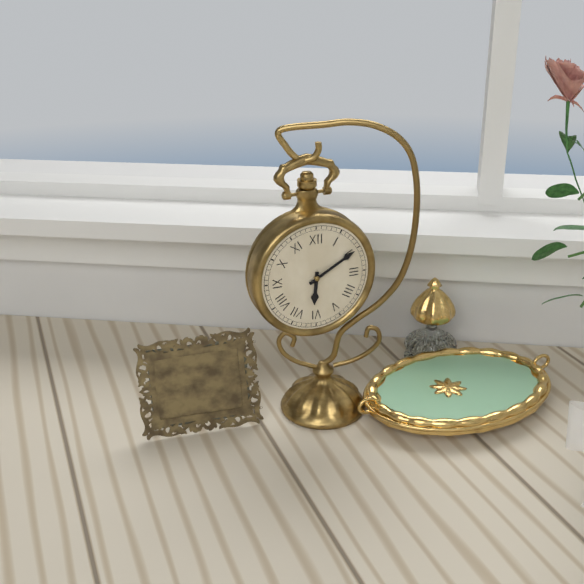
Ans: 6:10
